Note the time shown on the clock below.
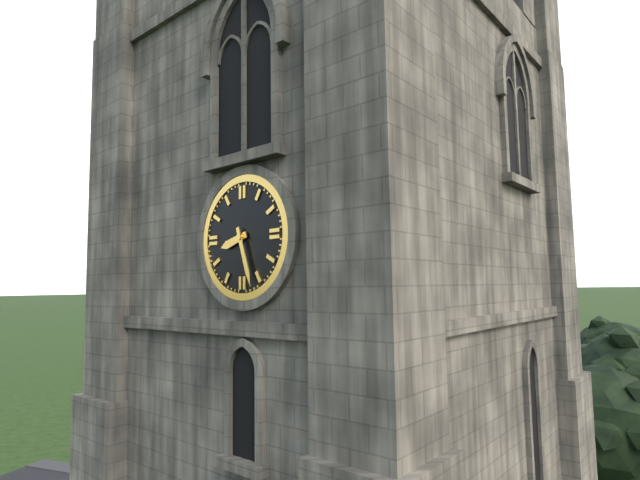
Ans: 8:27
